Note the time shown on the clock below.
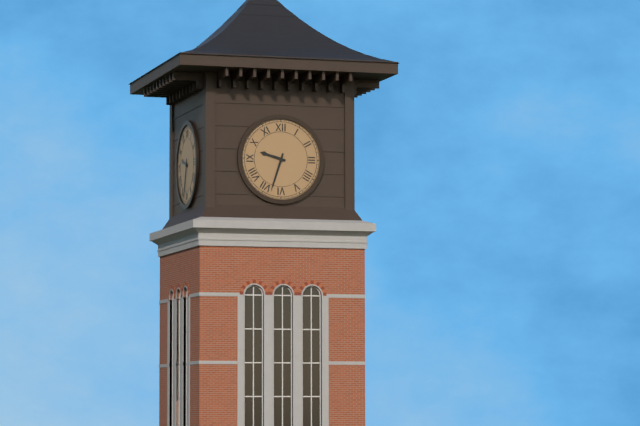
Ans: 9:33
